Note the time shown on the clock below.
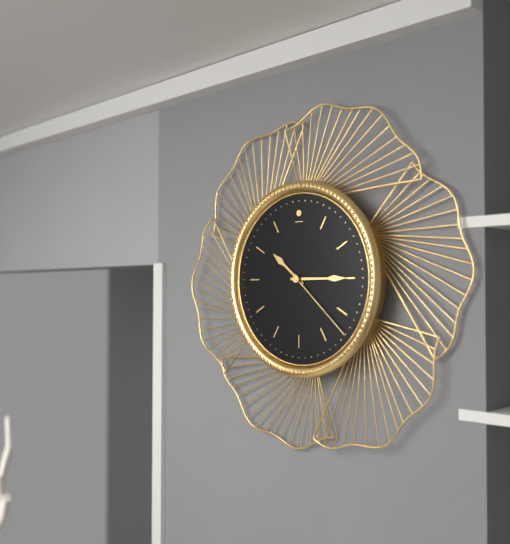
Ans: 10:15:22
